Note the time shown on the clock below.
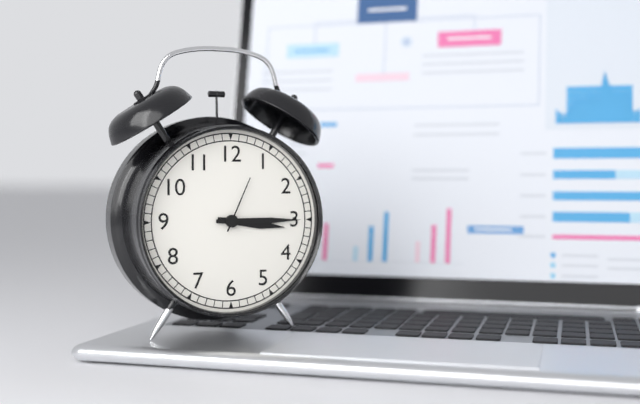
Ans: 3:15:04
